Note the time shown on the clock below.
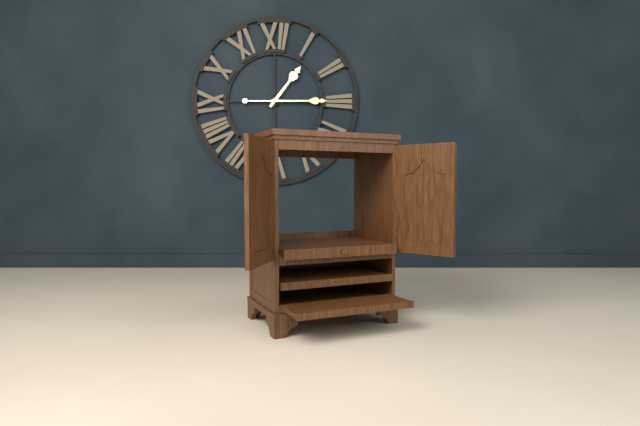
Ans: 1:15
